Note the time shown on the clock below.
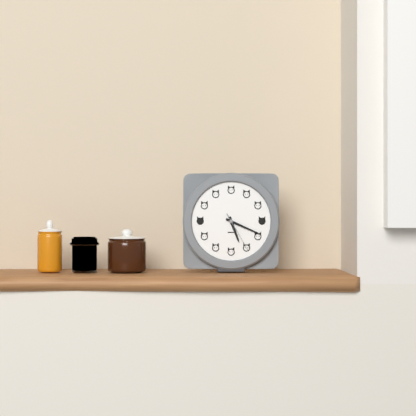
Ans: 5:19
